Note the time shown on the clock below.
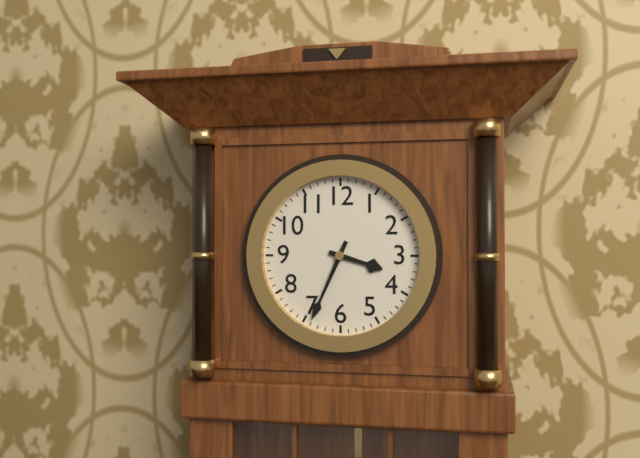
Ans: 3:34
